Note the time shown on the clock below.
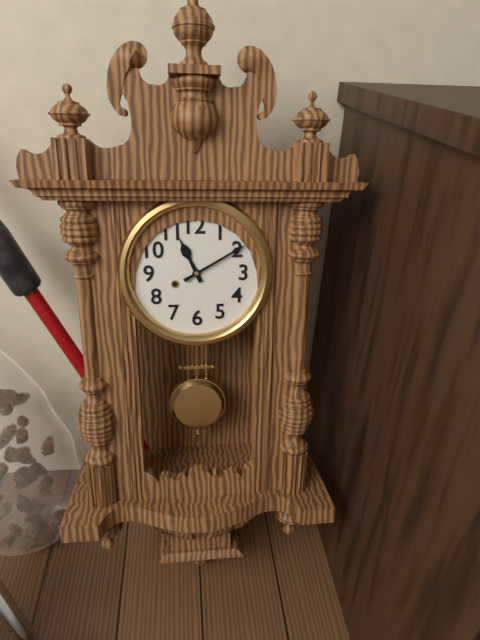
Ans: 11:10
